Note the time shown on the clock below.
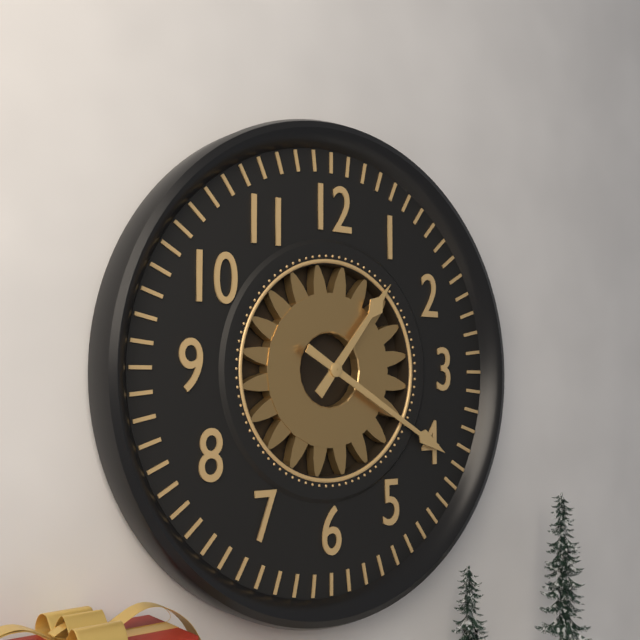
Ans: 1:20
